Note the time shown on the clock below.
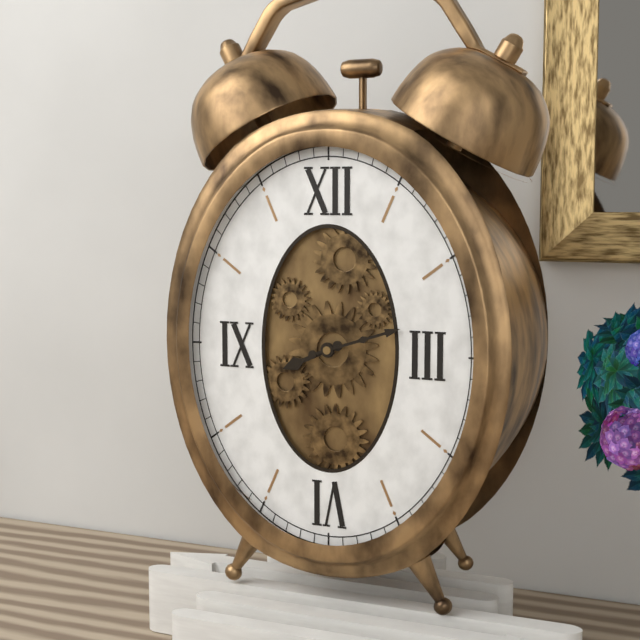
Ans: 8:12
